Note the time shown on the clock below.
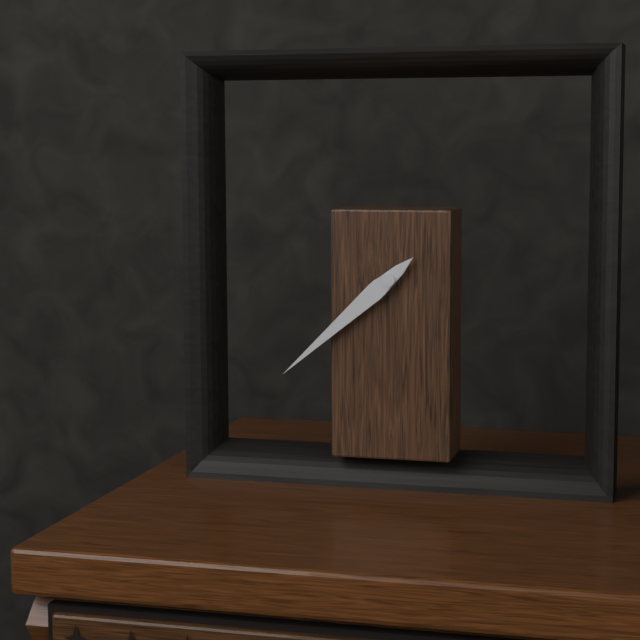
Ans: 7:38
